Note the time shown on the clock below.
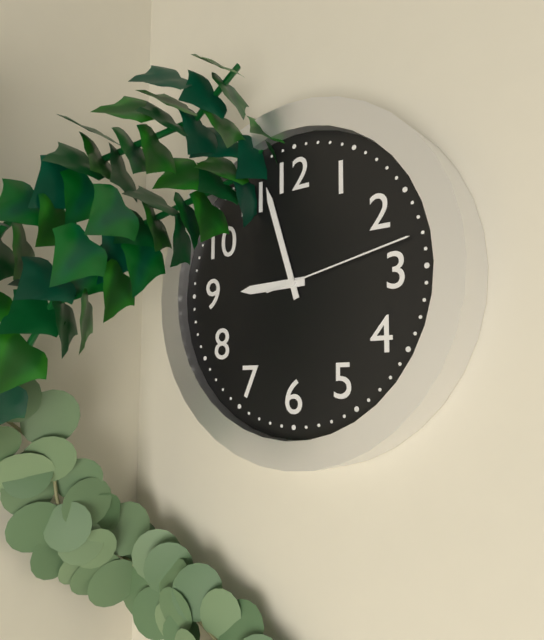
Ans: 8:57:13
